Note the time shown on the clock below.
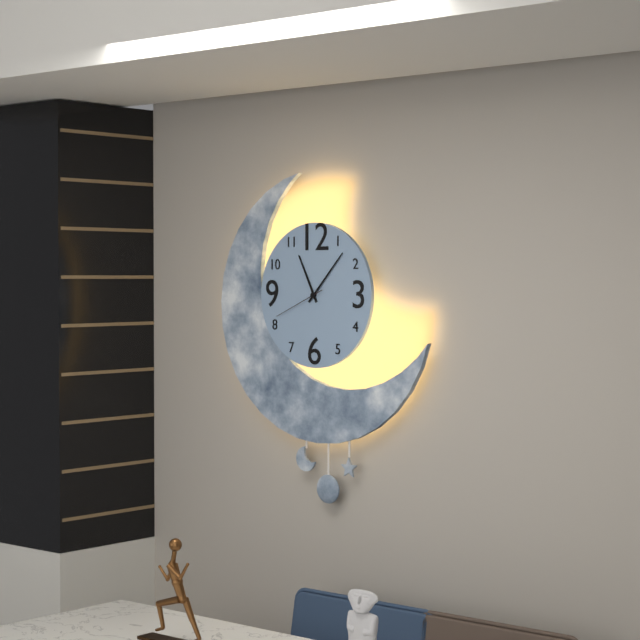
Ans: 11:07:41
